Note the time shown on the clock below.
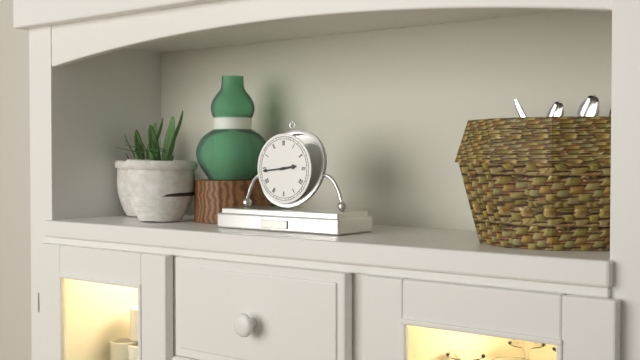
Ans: 2:44
